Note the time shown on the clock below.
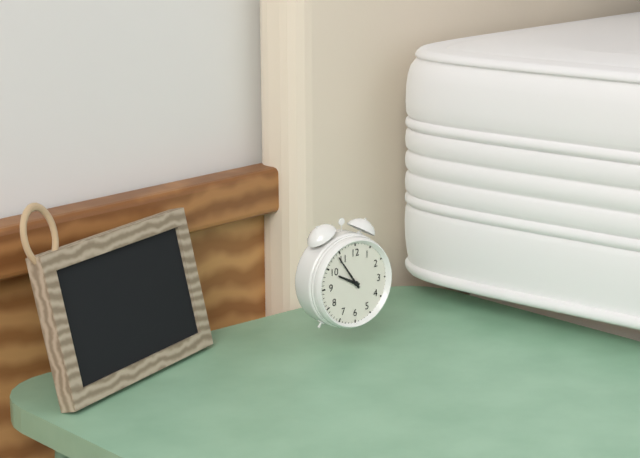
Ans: 9:54
